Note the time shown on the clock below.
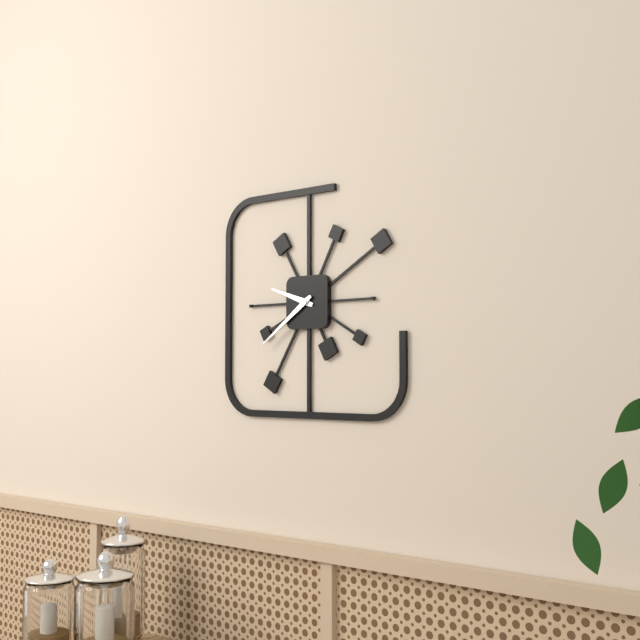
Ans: 9:39
